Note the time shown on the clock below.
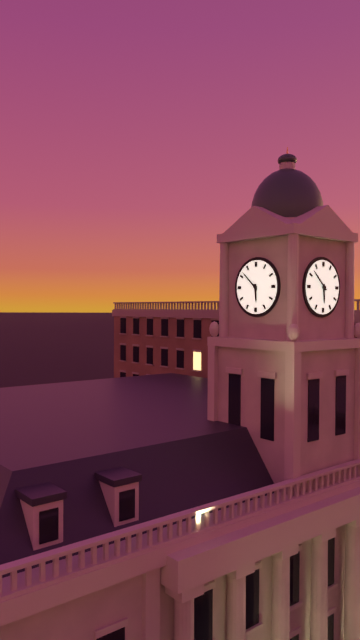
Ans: 5:52
